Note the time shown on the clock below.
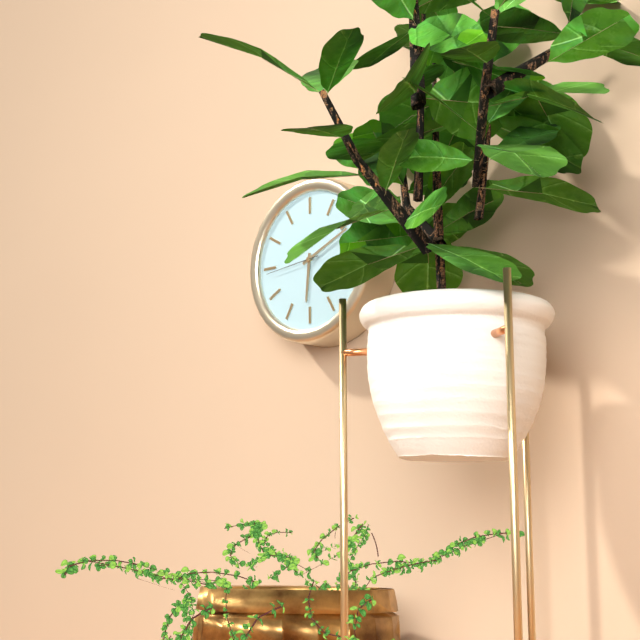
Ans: 6:11:44
